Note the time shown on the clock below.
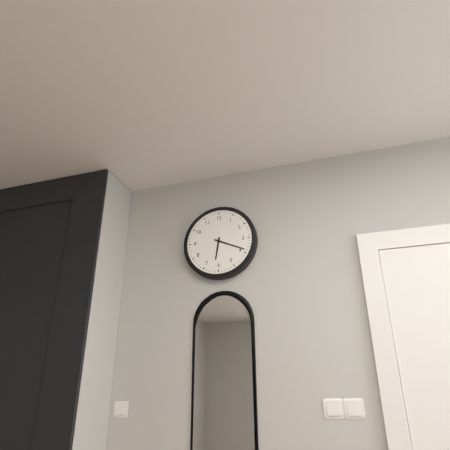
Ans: 6:19
